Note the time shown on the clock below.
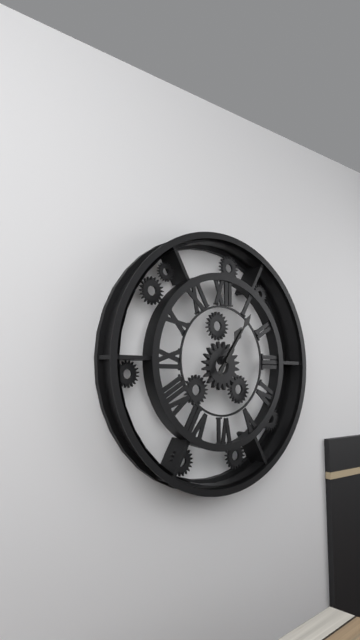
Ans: 1:06
